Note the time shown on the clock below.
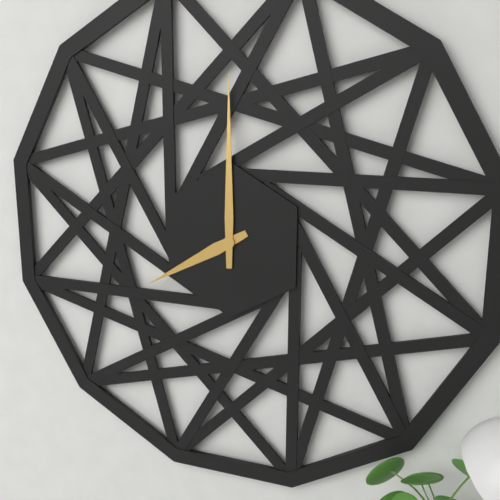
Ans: 8:00
